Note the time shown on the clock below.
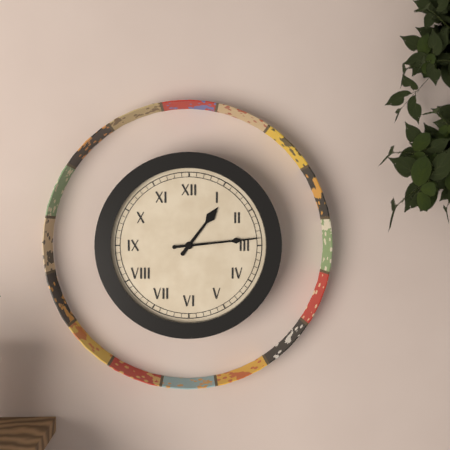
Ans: 1:14
